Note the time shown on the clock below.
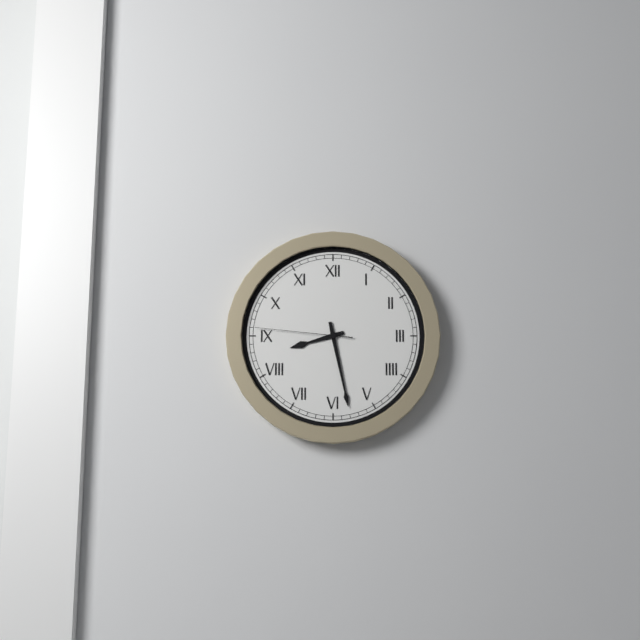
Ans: 8:28:46
